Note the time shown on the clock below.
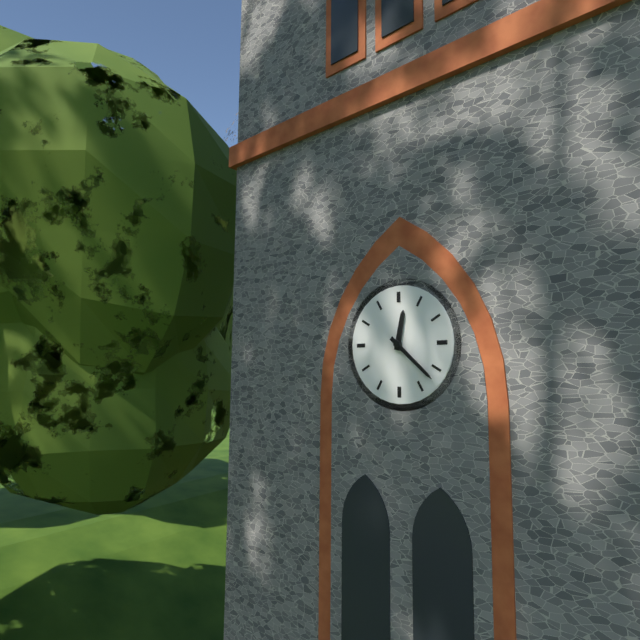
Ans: 12:22
